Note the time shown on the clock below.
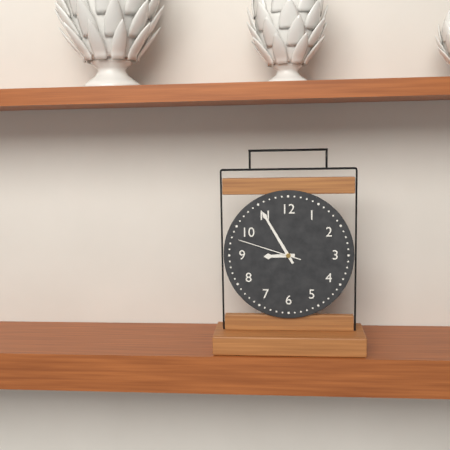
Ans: 8:55:48
